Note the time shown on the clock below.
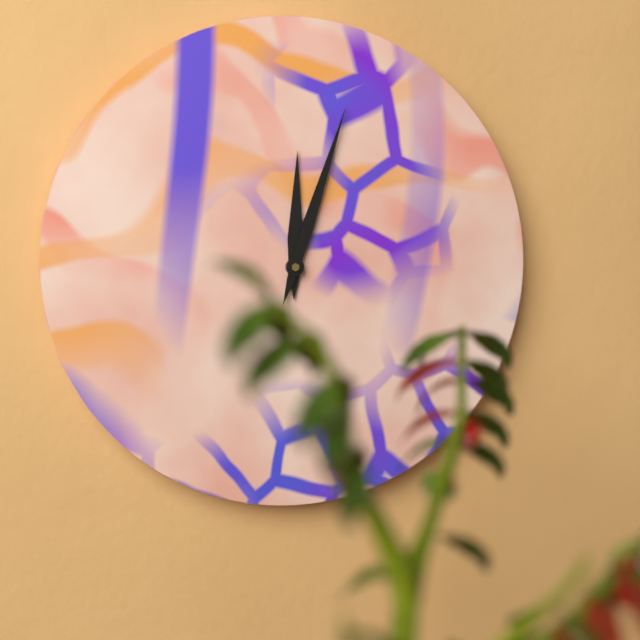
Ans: 12:03
